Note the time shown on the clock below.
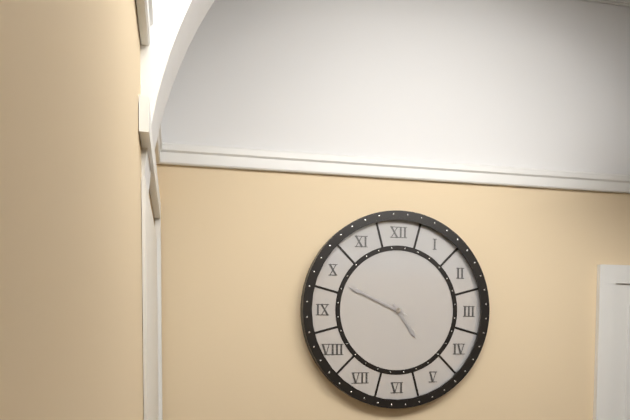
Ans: 4:49
